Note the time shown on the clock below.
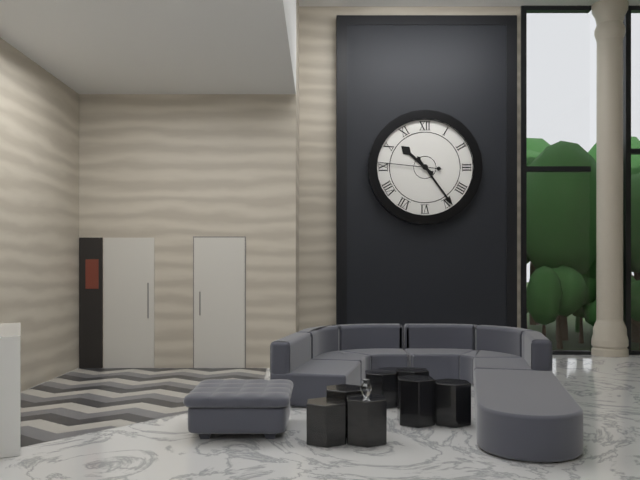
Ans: 10:24:46
